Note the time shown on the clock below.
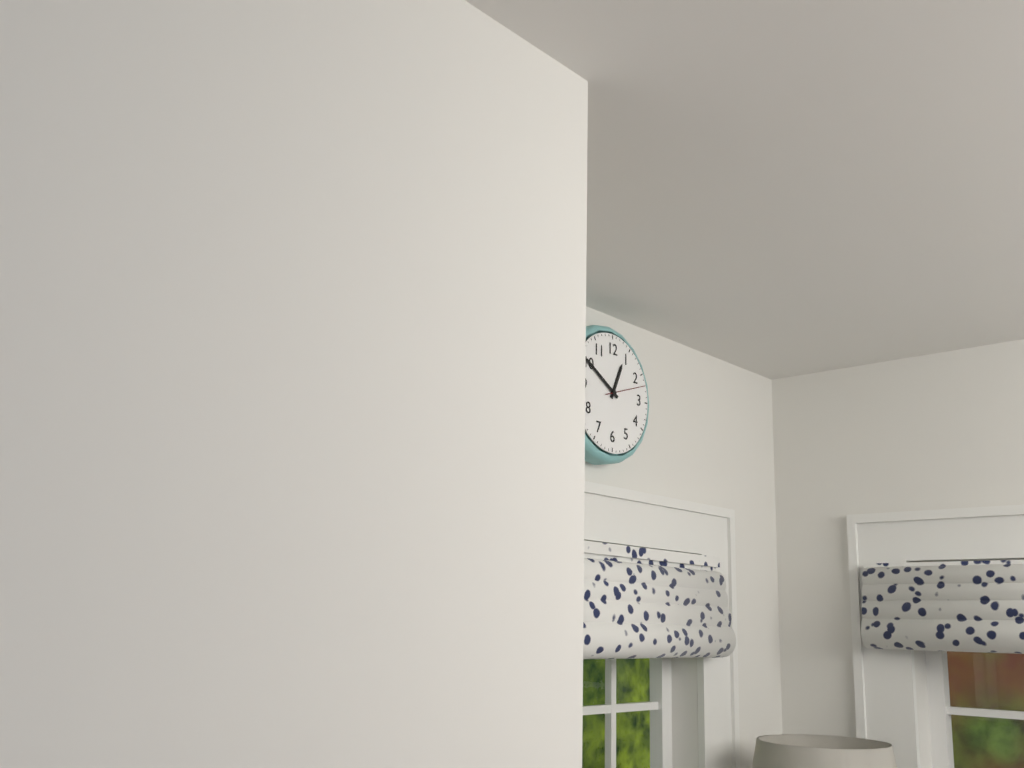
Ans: 12:50
